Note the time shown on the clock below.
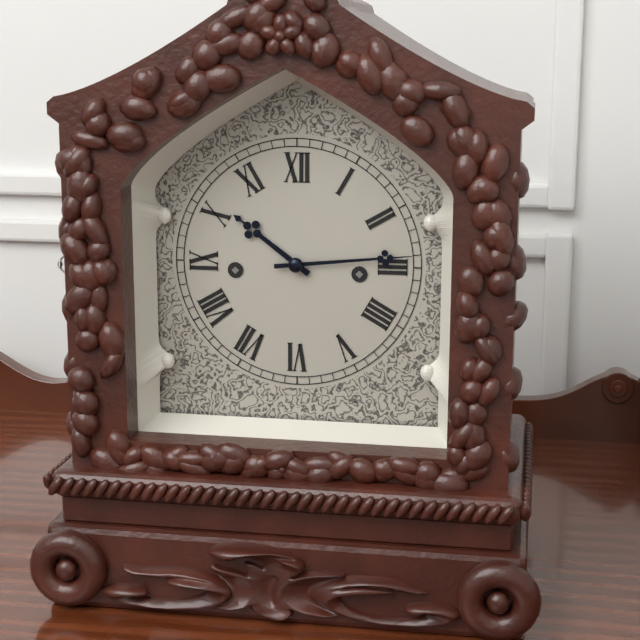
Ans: 10:14
